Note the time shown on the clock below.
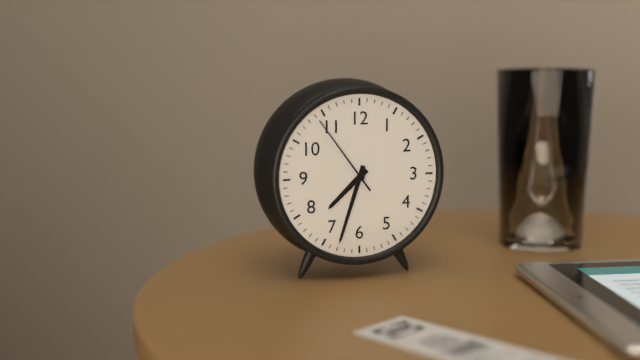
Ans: 7:33:54
